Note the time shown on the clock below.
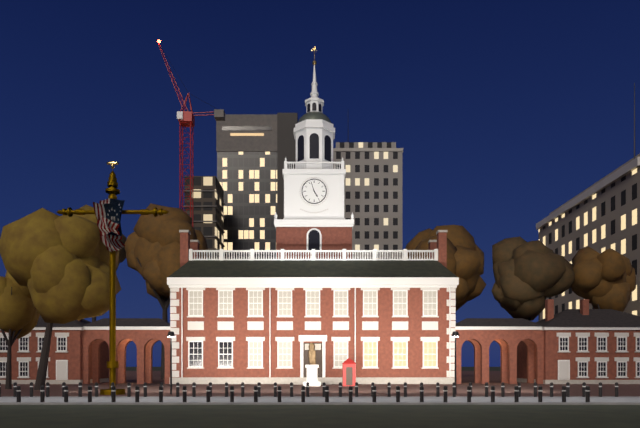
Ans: 4:57
